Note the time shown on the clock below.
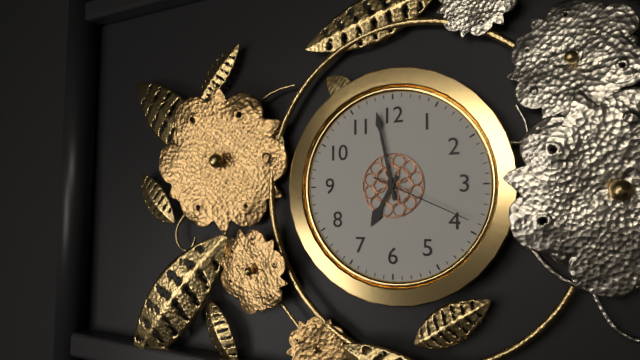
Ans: 6:58:19
